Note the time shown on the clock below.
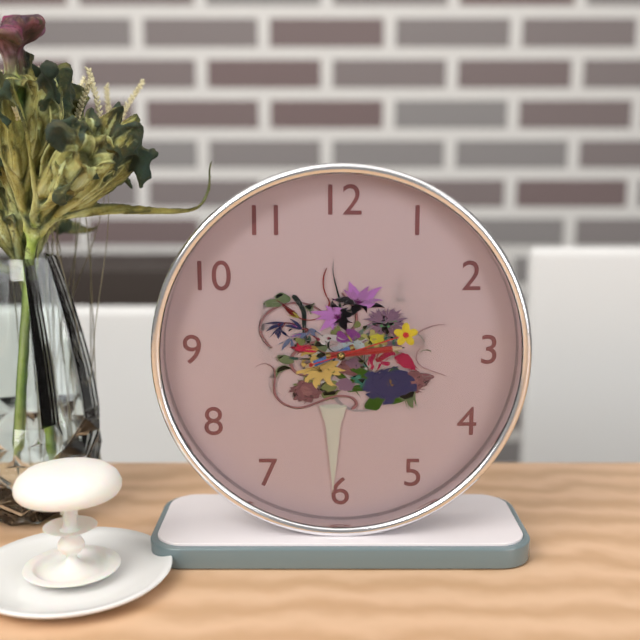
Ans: 8:14:12
